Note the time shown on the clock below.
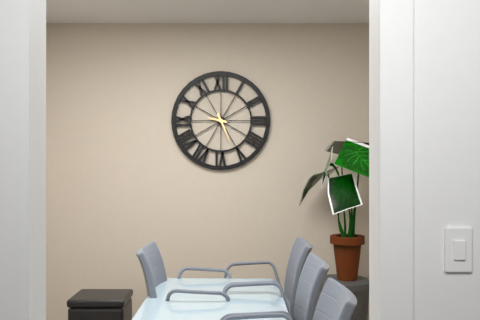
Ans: 9:26
